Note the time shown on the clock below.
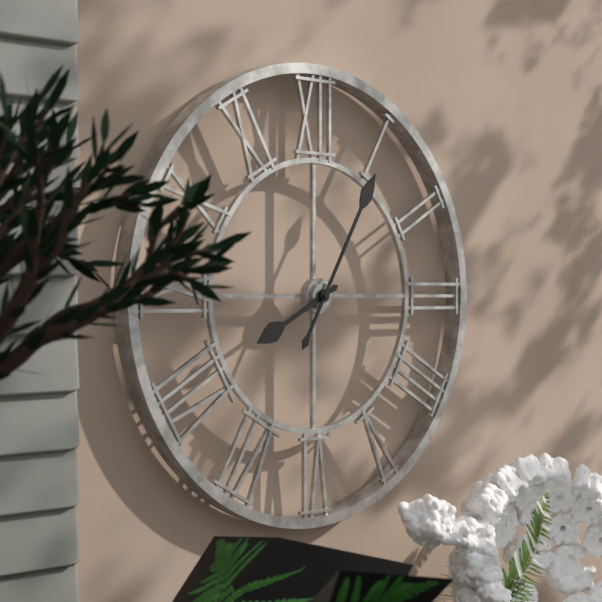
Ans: 8:05
